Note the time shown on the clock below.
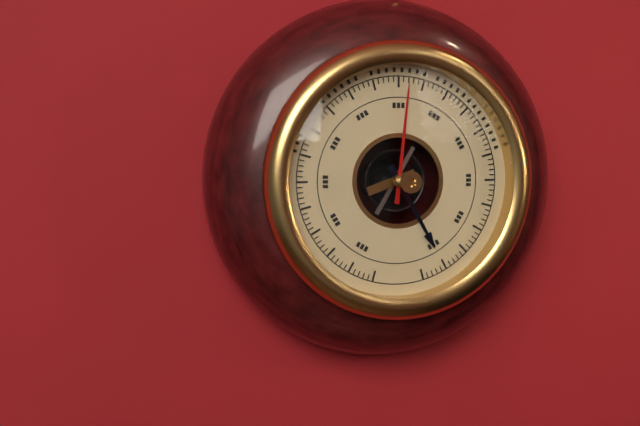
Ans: 5:01
